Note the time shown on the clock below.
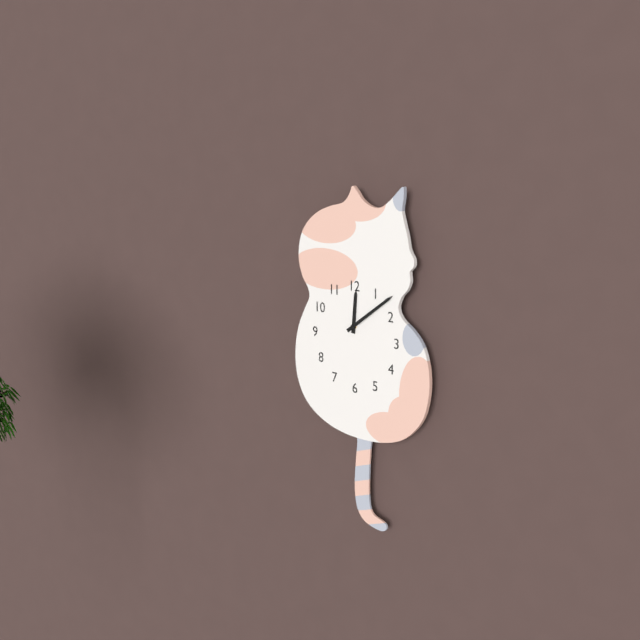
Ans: 12:09
